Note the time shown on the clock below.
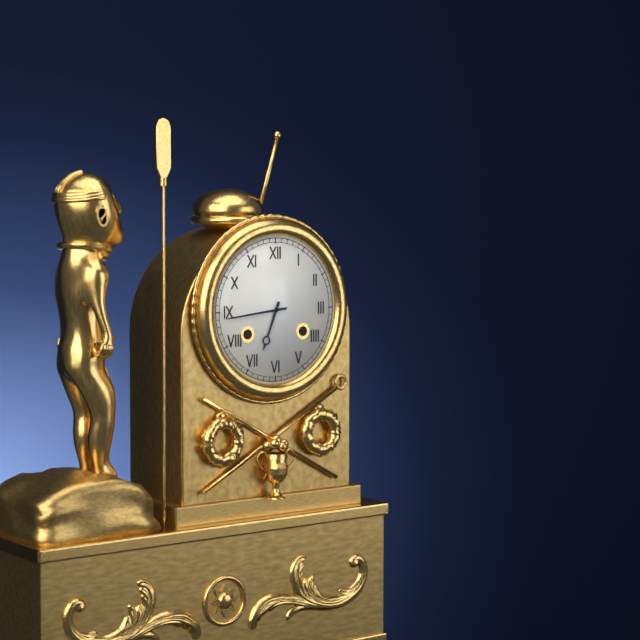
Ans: 6:44
